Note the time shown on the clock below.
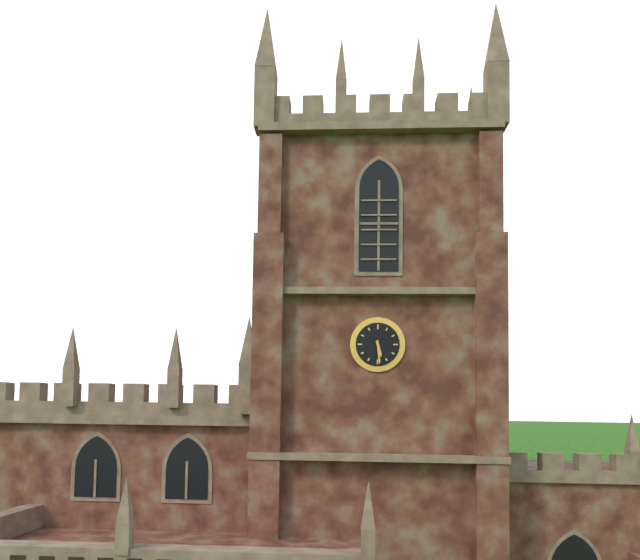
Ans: 5:29
